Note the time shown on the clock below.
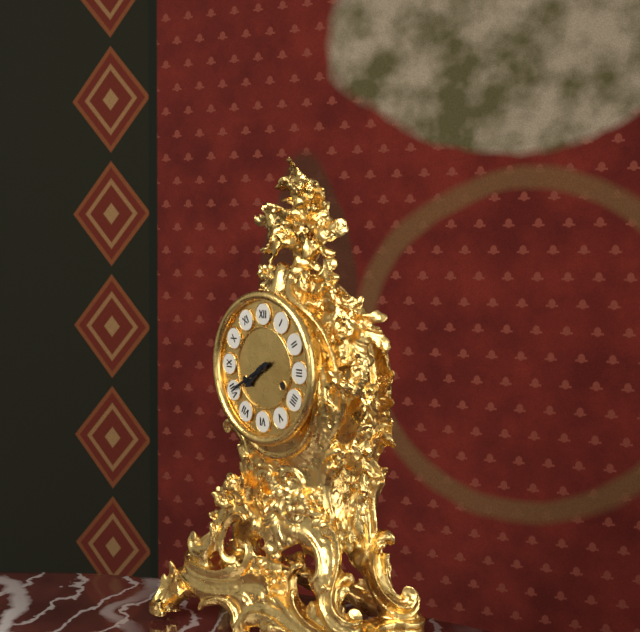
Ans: 7:40
